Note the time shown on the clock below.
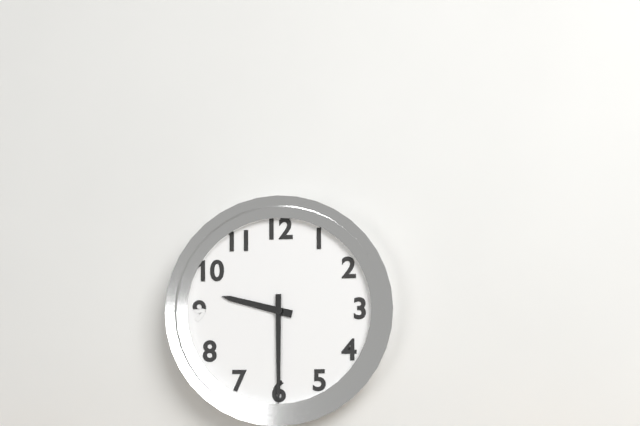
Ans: 9:30
